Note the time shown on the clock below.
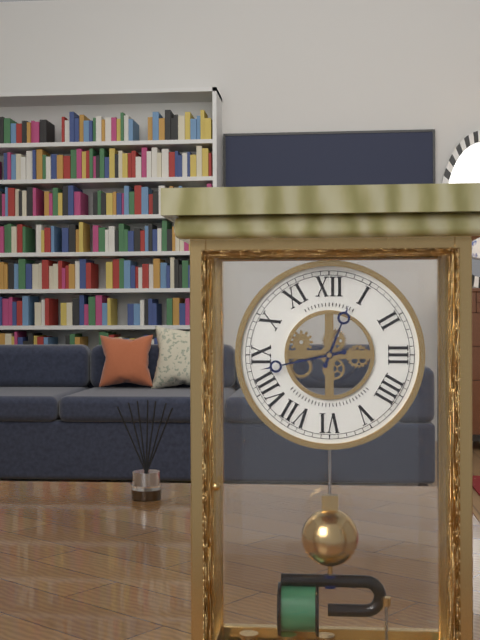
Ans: 12:43
